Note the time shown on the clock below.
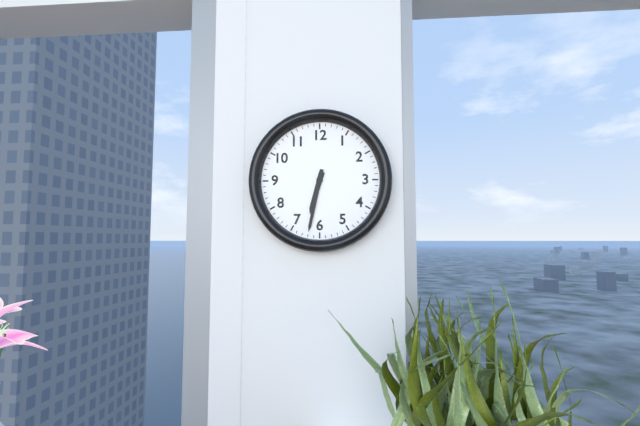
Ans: 6:32
